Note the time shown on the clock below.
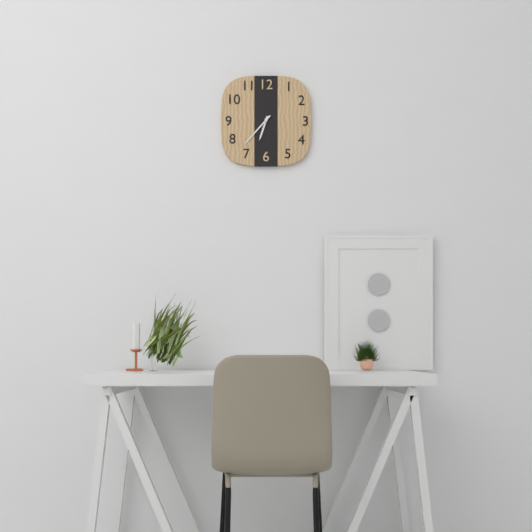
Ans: 6:37
